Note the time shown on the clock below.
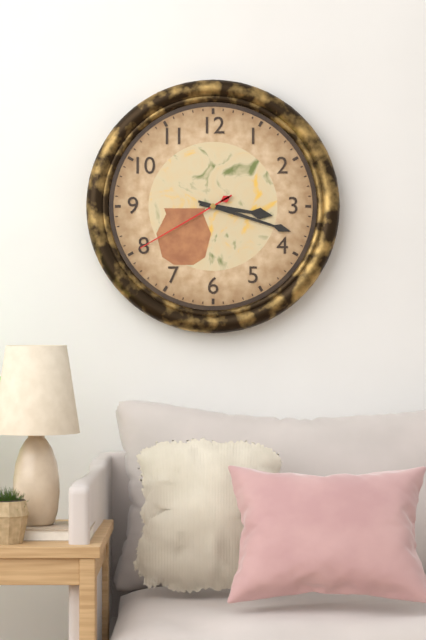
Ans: 3:18:40
